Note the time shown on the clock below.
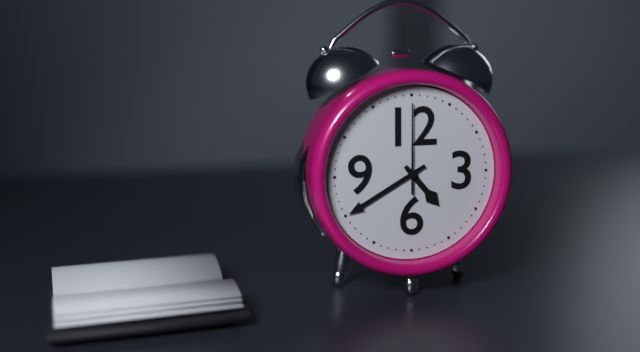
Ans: 4:40:00
